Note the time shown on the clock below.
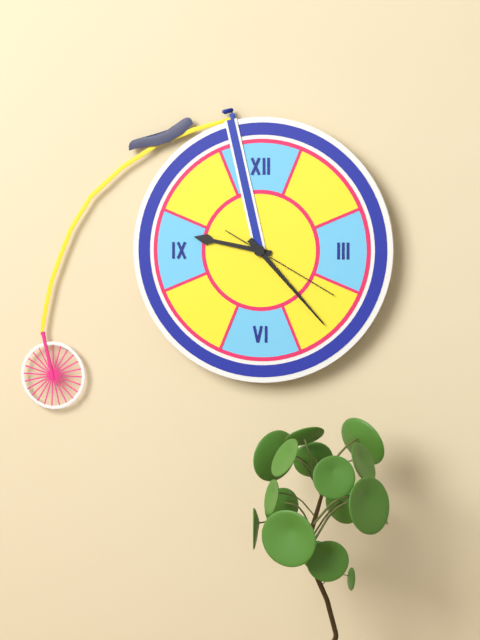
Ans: 9:23:20
